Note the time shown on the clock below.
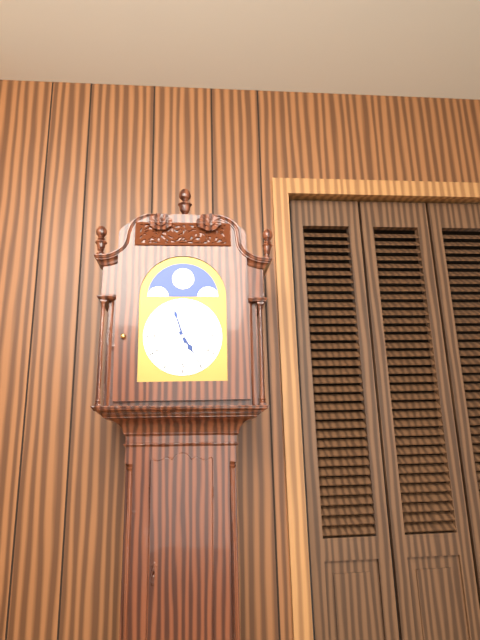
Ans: 4:57
